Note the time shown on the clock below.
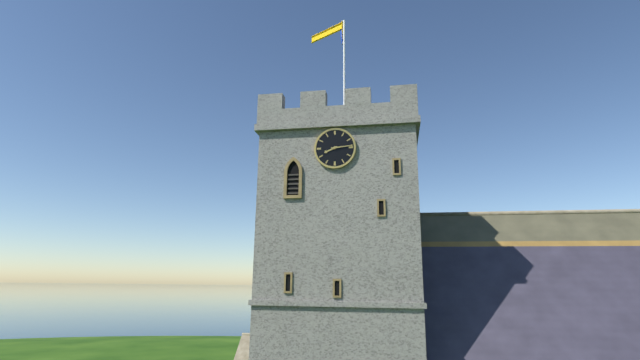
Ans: 8:14
